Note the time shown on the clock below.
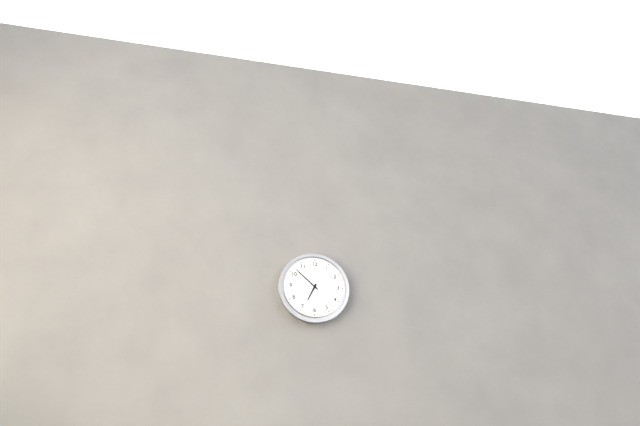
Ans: 6:52
